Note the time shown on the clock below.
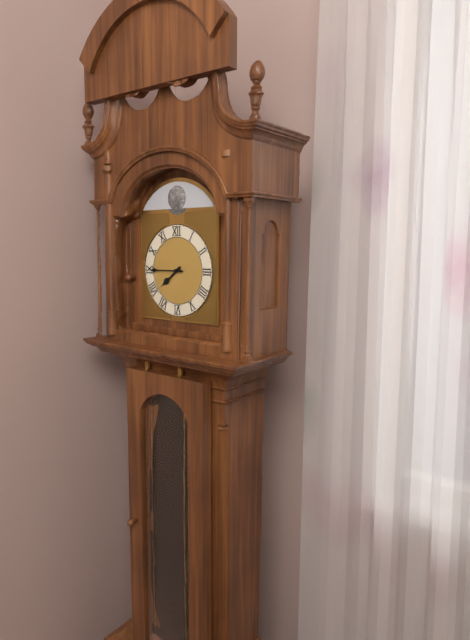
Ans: 7:45
